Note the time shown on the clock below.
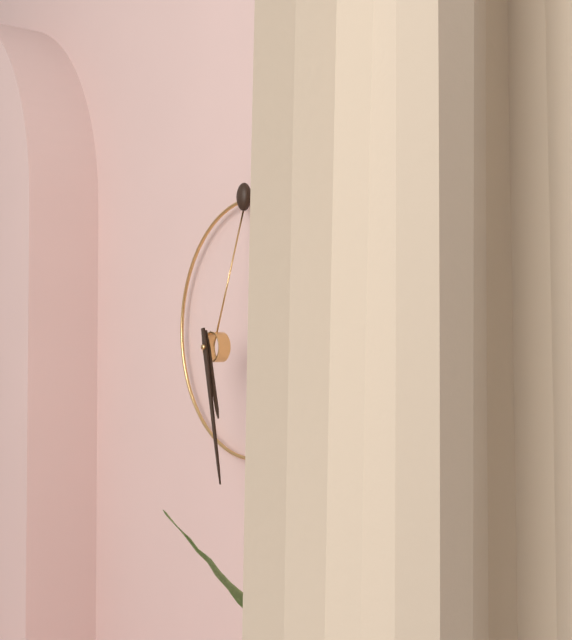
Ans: 5:28
